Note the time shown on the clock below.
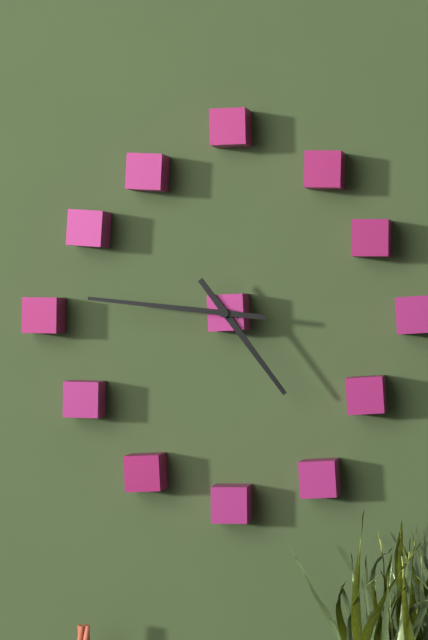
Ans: 4:46
